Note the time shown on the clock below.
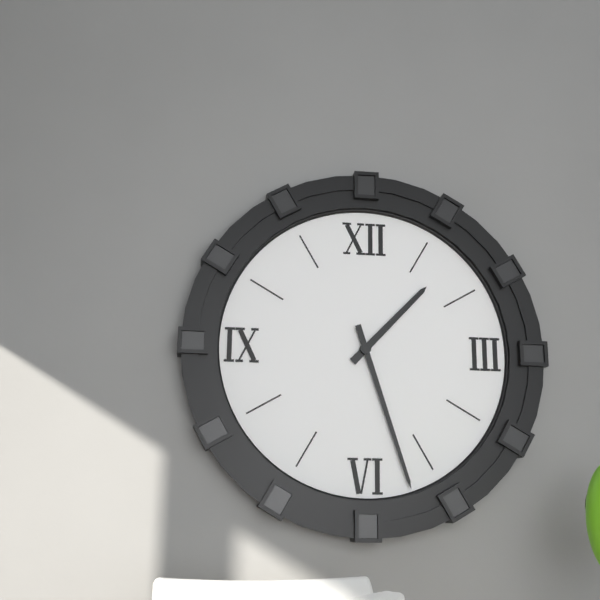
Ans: 1:27
